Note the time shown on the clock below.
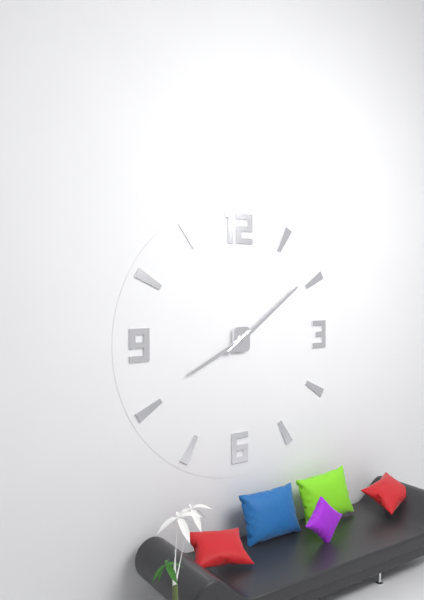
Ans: 8:09
